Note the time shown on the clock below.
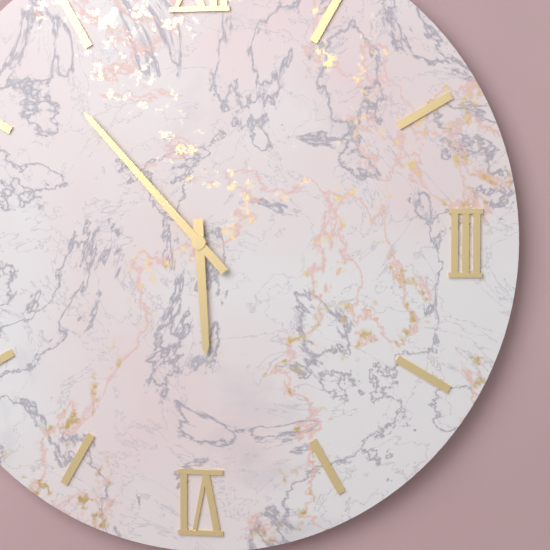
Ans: 5:53
